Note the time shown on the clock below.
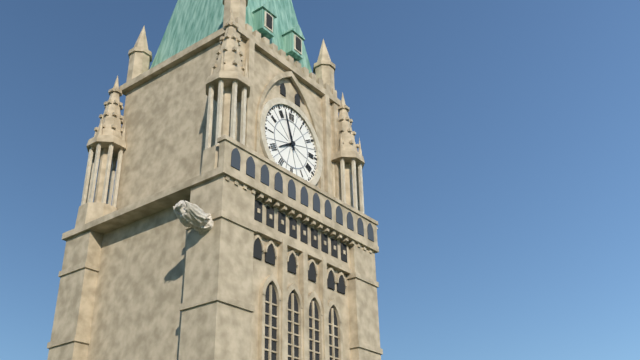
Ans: 7:57
